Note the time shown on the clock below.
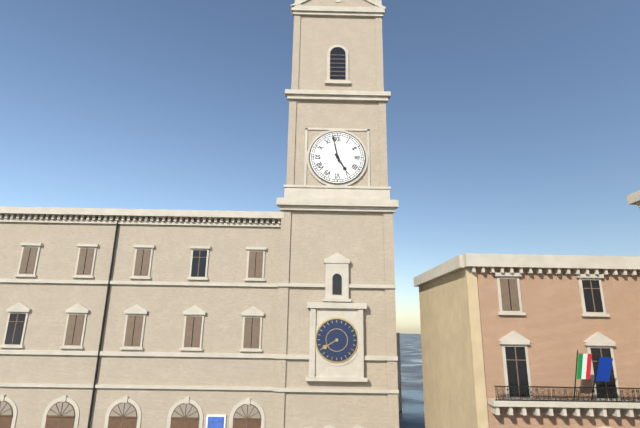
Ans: 4:58
